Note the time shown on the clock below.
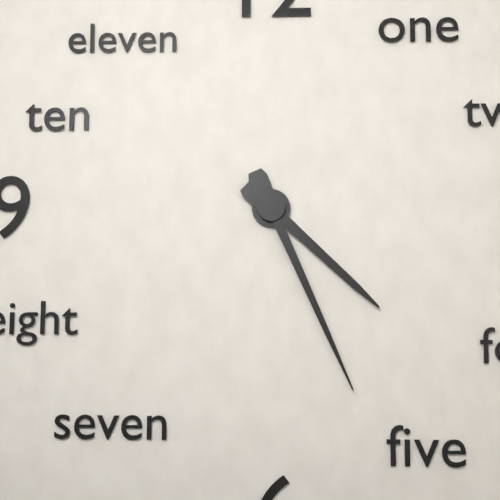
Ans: 4:26
